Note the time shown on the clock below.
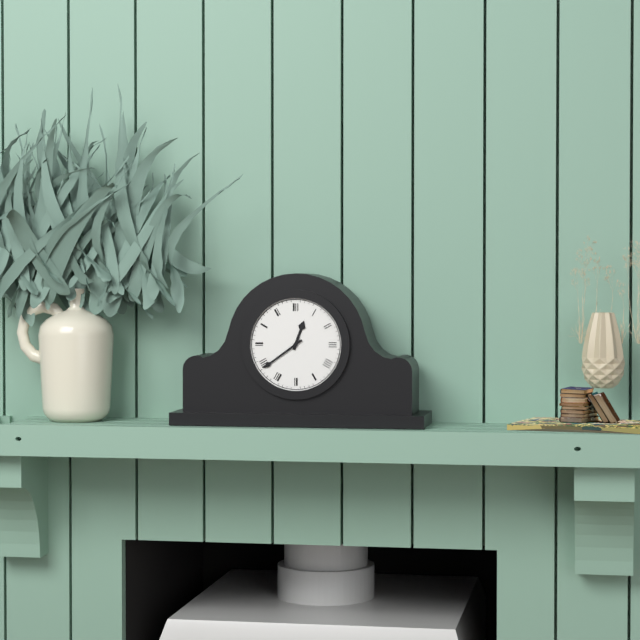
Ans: 12:39
